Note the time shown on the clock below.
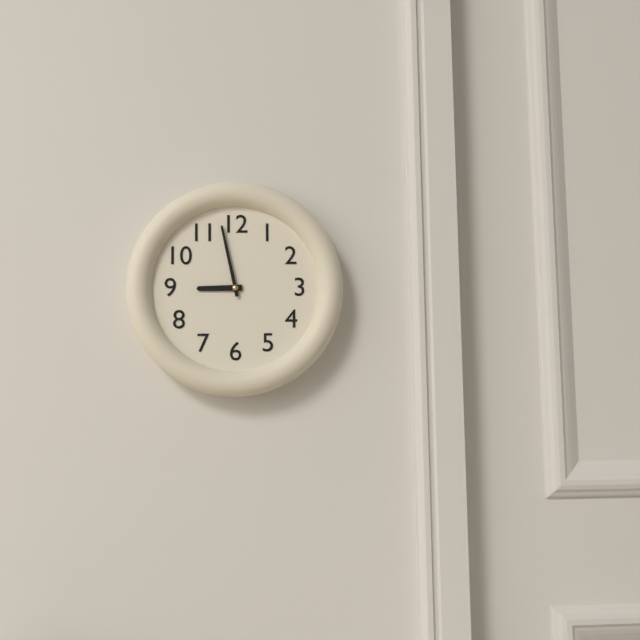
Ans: 8:58
